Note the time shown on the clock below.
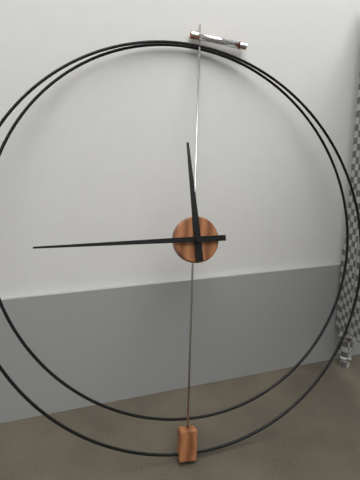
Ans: 11:44
